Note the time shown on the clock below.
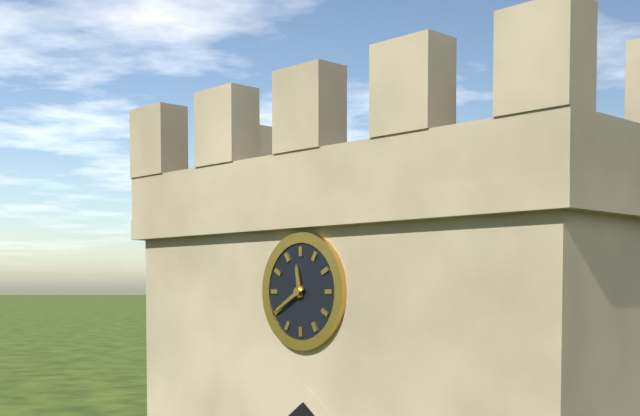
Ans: 11:40
